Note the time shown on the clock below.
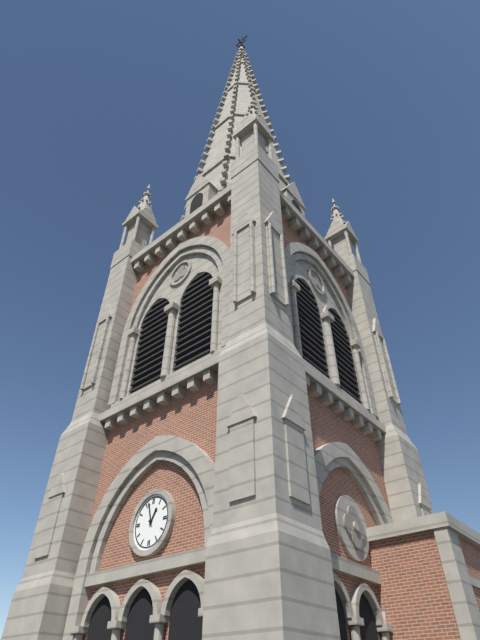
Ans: 12:57
